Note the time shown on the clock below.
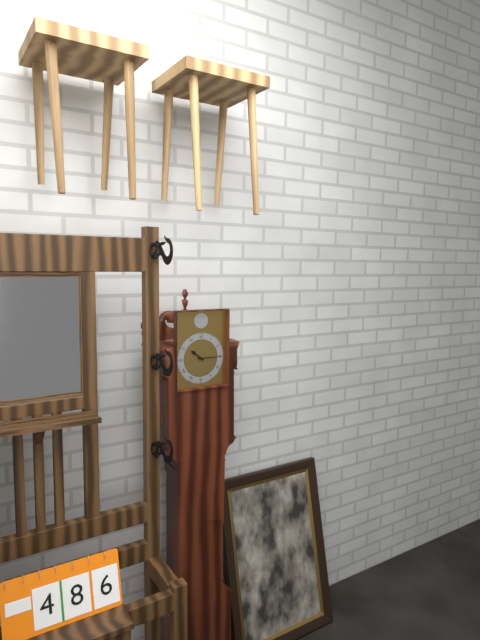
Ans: 10:15
